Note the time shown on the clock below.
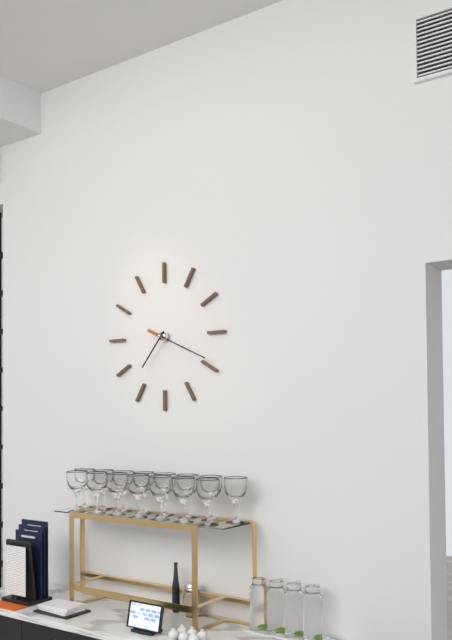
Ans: 7:19
